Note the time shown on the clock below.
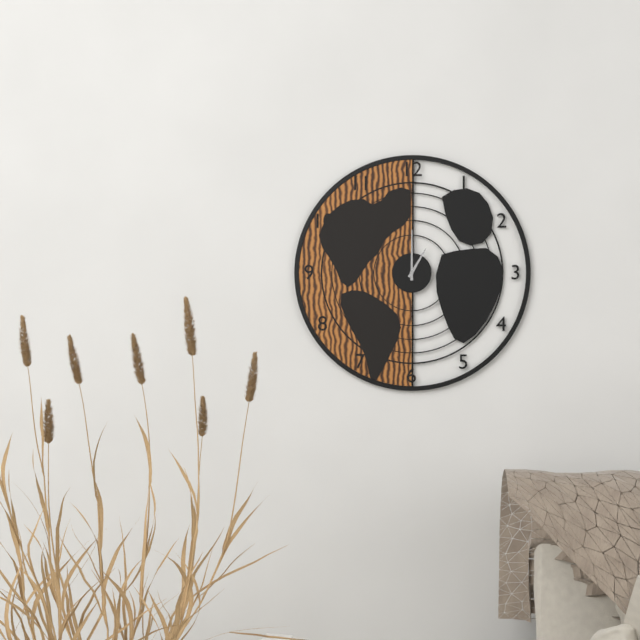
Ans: 1:00
